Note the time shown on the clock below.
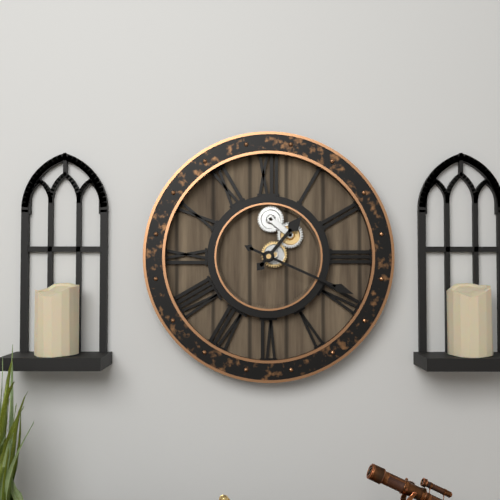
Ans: 1:19
